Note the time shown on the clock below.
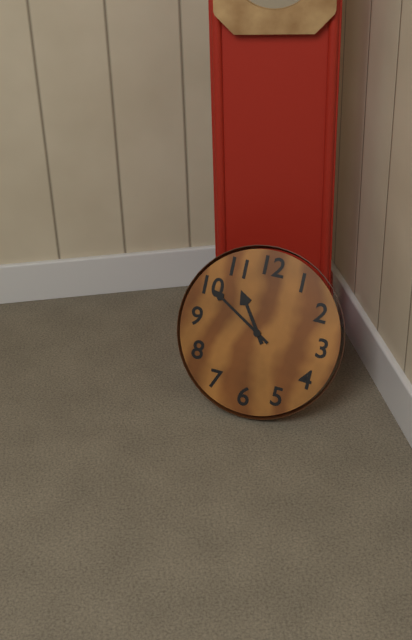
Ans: 10:50
